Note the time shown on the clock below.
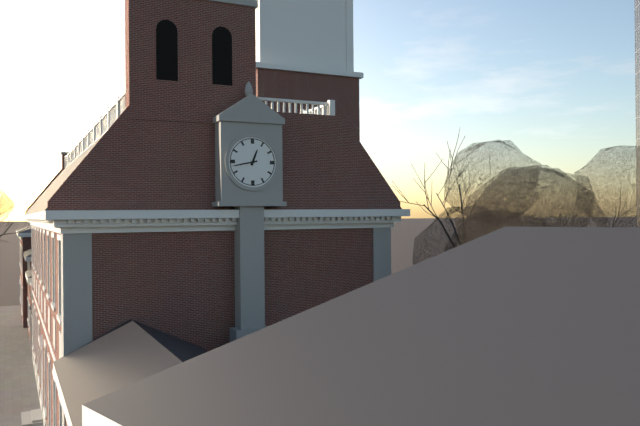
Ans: 12:43
